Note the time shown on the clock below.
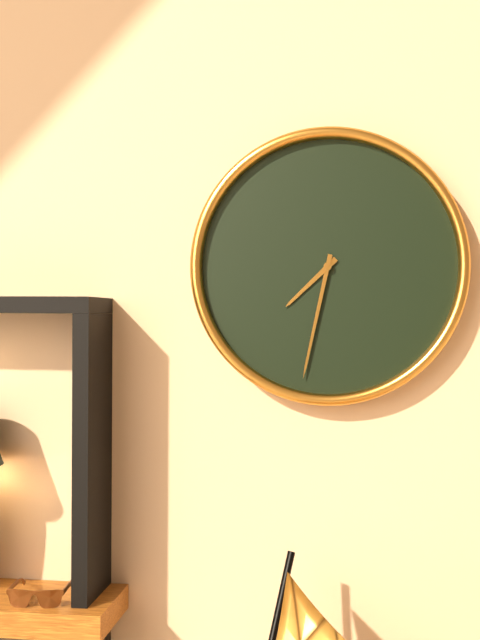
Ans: 7:32
